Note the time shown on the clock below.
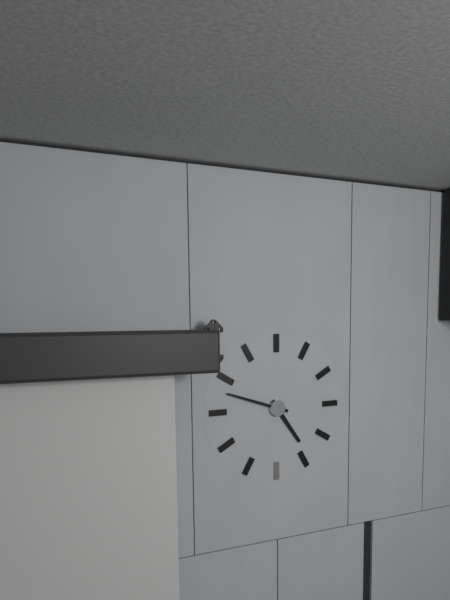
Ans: 4:48
